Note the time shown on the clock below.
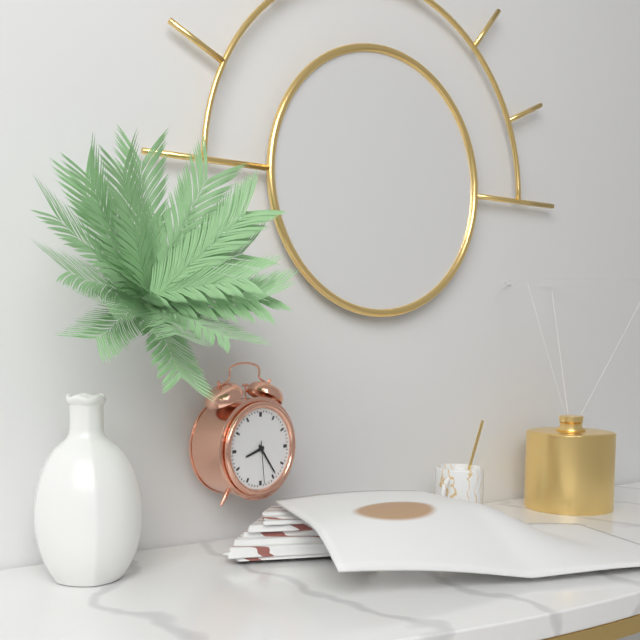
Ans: 8:24
